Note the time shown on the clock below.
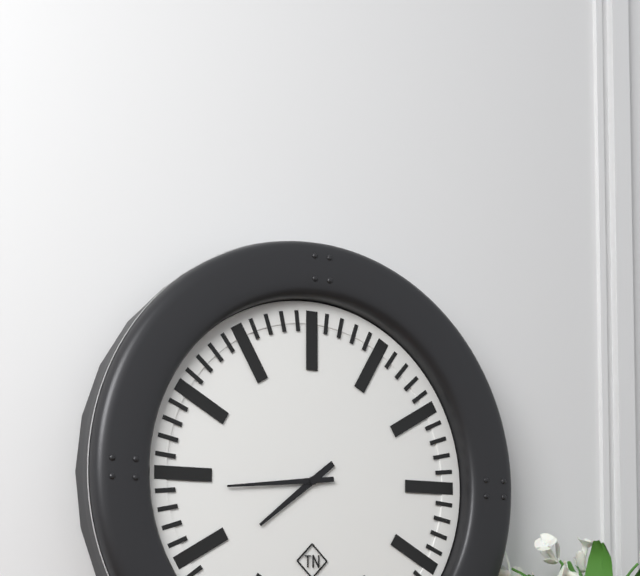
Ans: 7:44
